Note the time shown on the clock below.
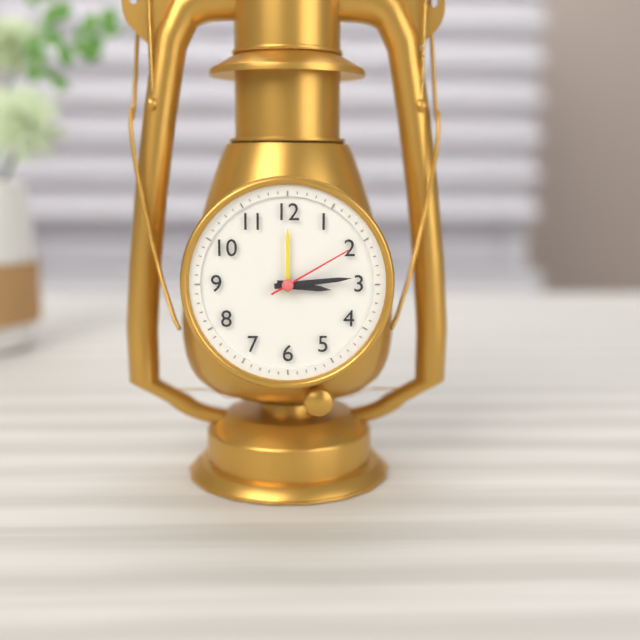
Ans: 3:14:10
